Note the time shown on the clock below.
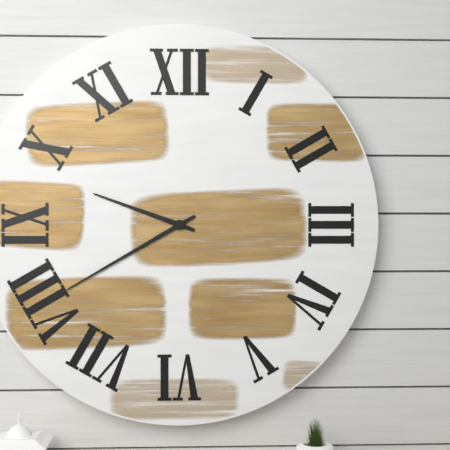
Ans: 9:40
